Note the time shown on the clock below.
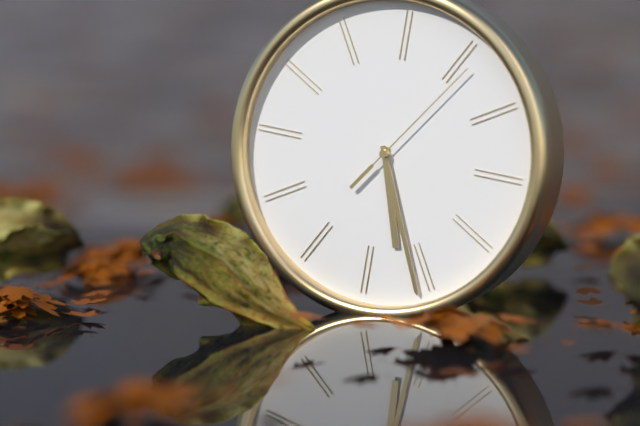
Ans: 5:26:06
